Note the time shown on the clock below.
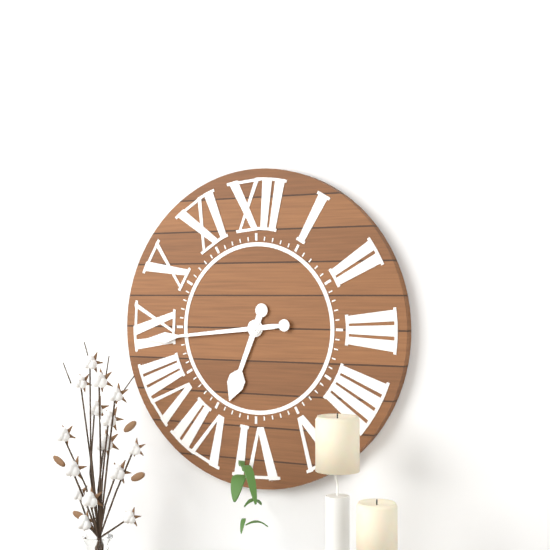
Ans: 6:44
